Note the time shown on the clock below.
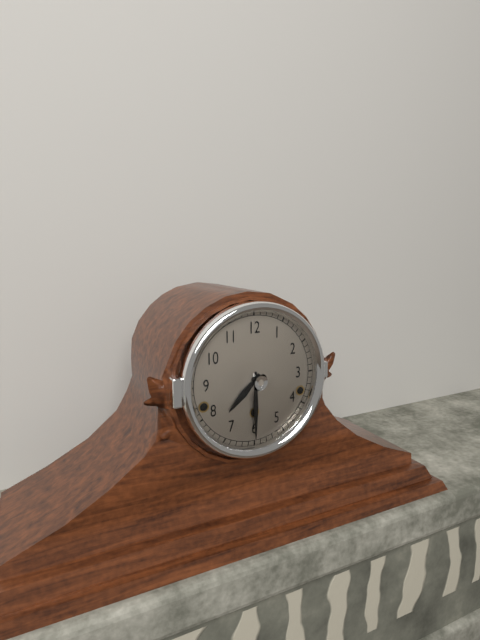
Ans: 7:30
